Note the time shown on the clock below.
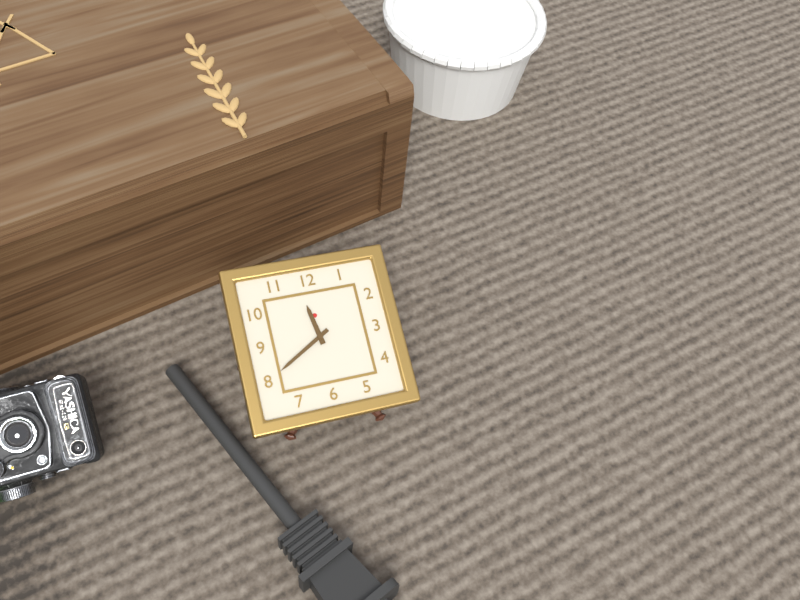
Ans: 11:40
